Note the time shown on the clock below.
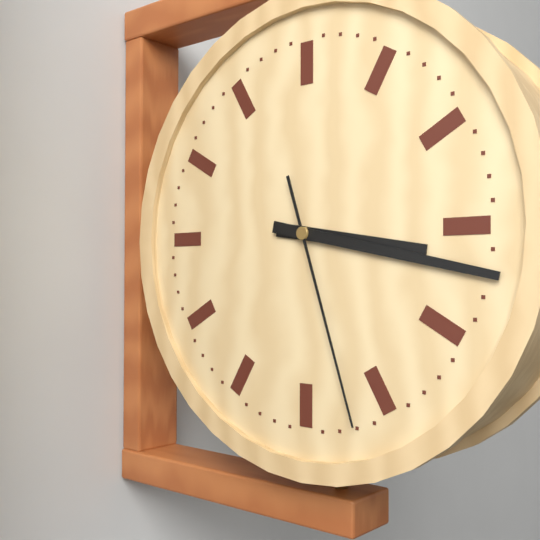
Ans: 3:17:27
